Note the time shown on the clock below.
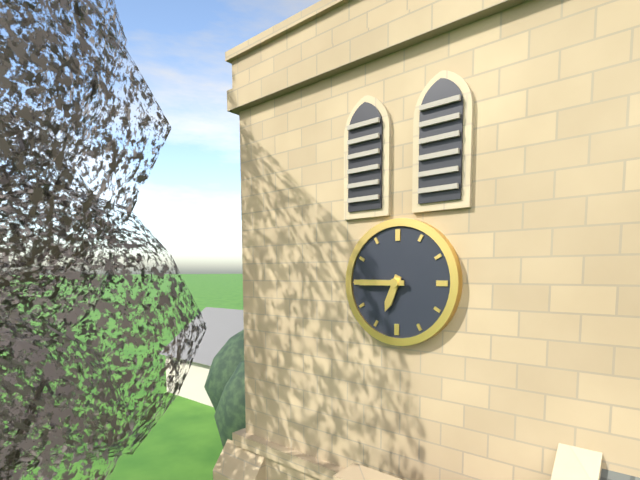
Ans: 6:45
